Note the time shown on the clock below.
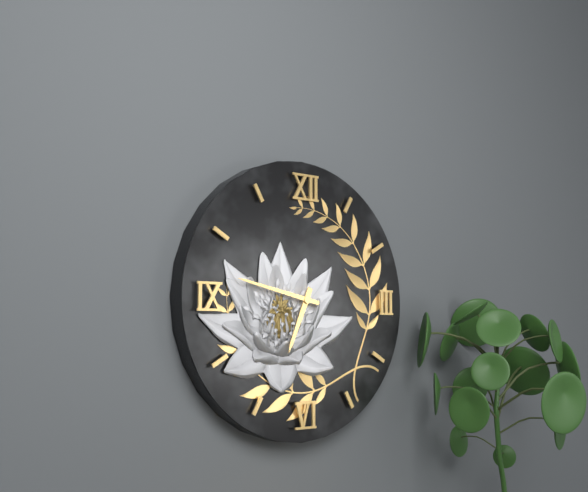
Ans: 6:47
